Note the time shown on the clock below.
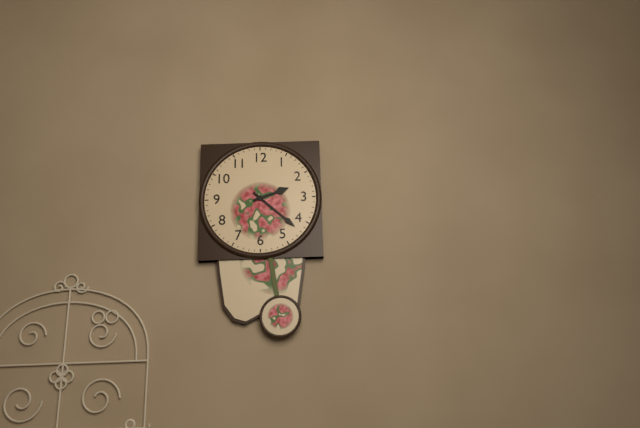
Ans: 2:22
